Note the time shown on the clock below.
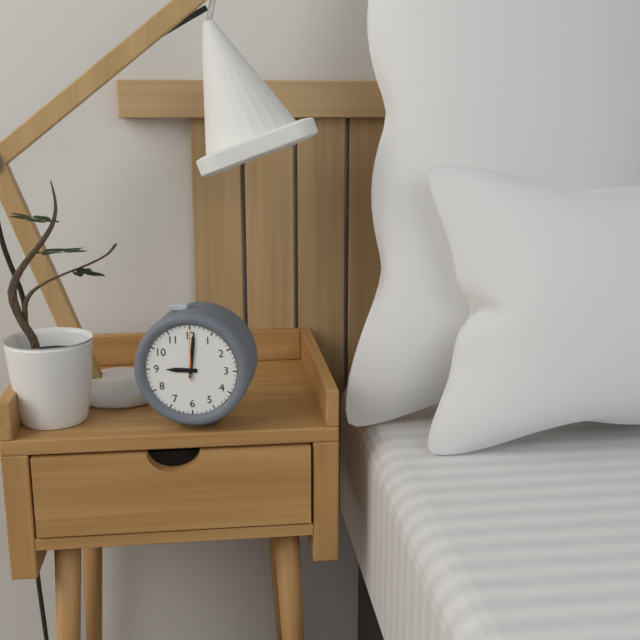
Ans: 9:01
